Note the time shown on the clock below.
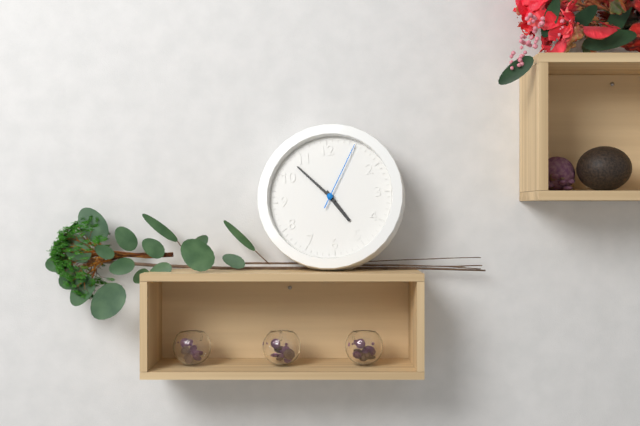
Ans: 4:53:05
